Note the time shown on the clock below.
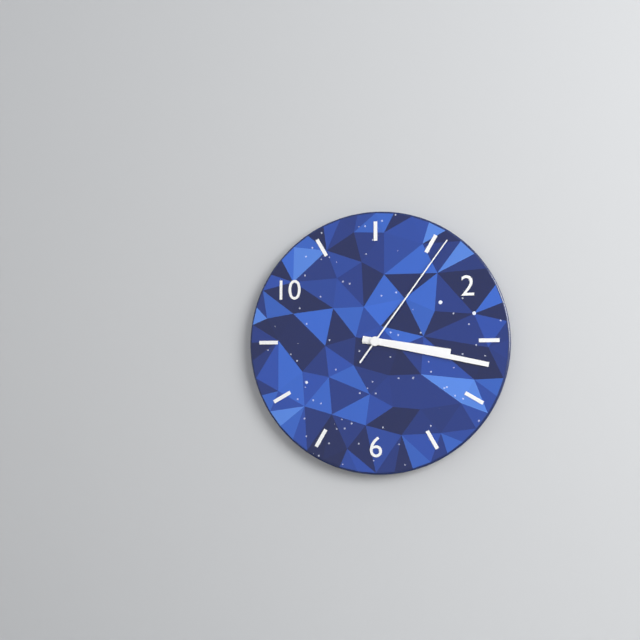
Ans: 3:17:06
